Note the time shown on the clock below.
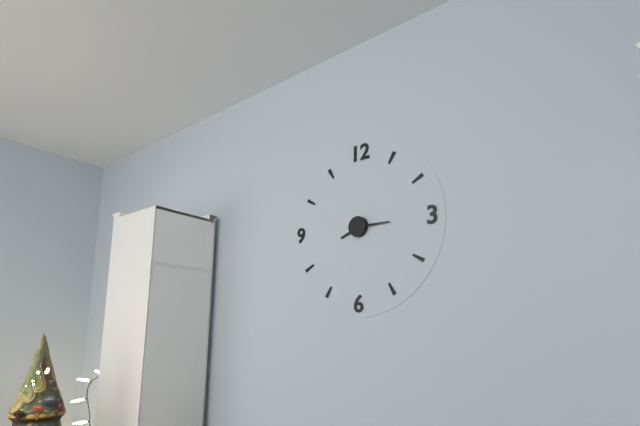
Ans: 8:15
